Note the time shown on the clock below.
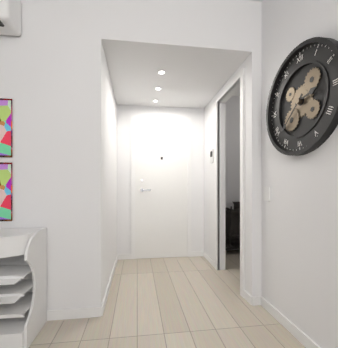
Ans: 2:38
